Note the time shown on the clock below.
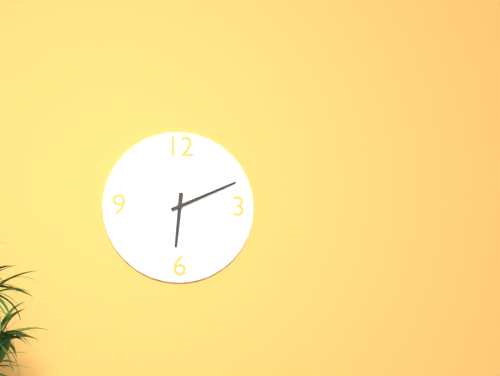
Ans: 6:11
